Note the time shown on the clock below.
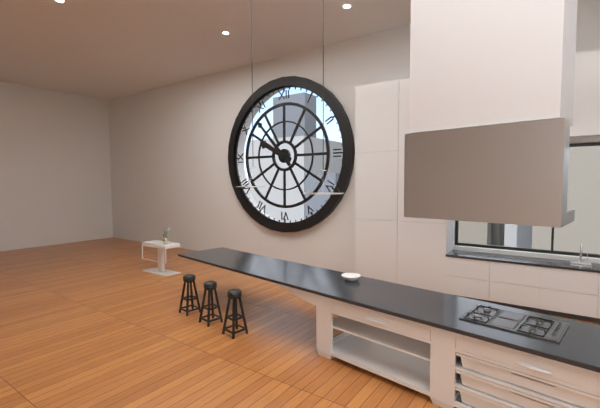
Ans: 9:53
